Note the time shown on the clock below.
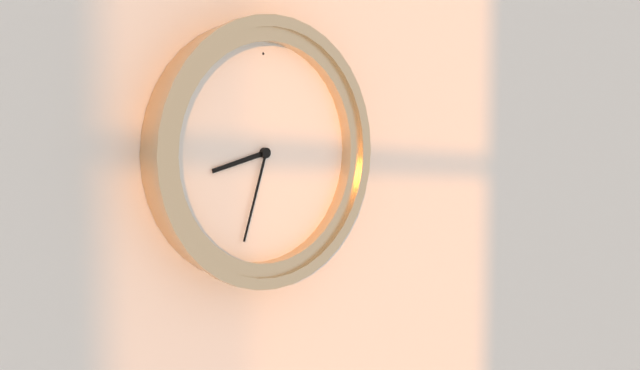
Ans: 8:33
